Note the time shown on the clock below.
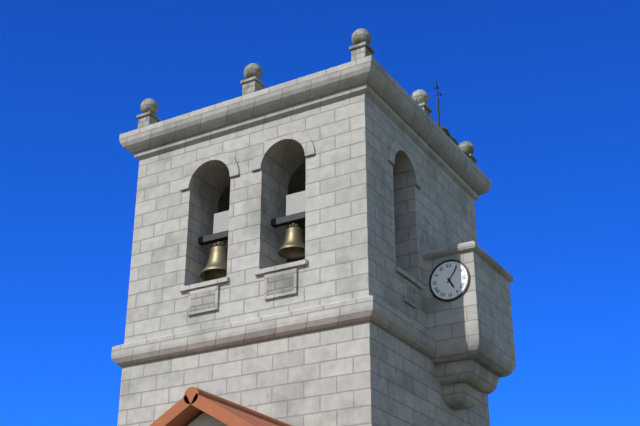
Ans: 5:06
